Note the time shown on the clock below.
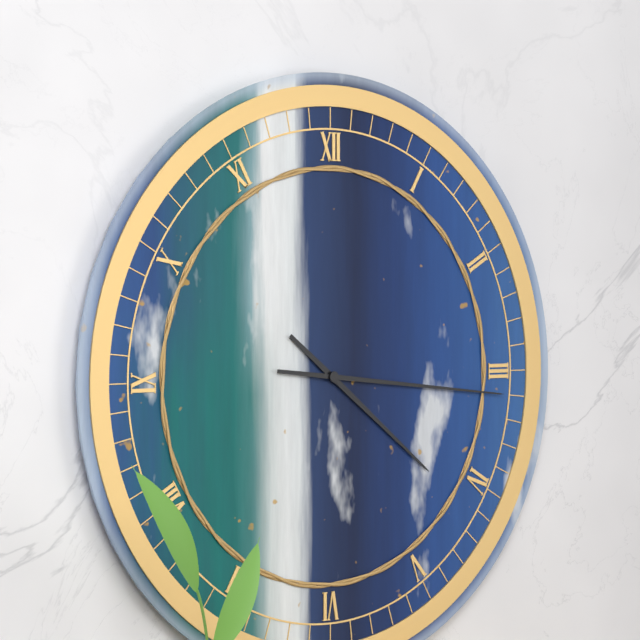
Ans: 4:16
